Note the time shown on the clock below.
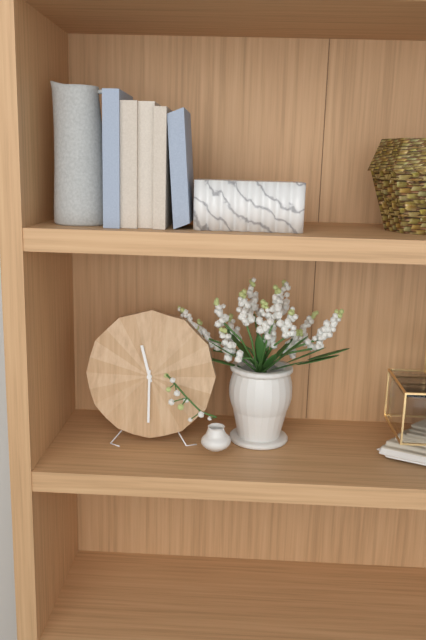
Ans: 11:30
